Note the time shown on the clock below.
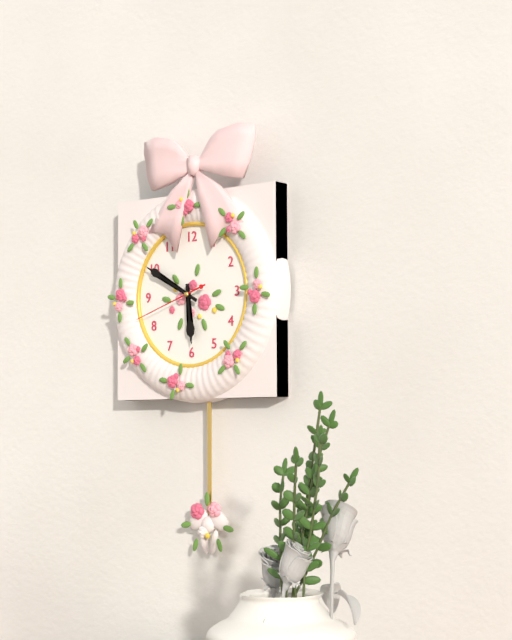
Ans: 5:50:42
